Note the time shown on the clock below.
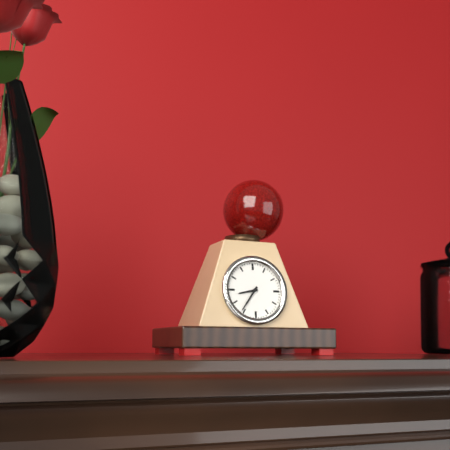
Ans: 8:36
